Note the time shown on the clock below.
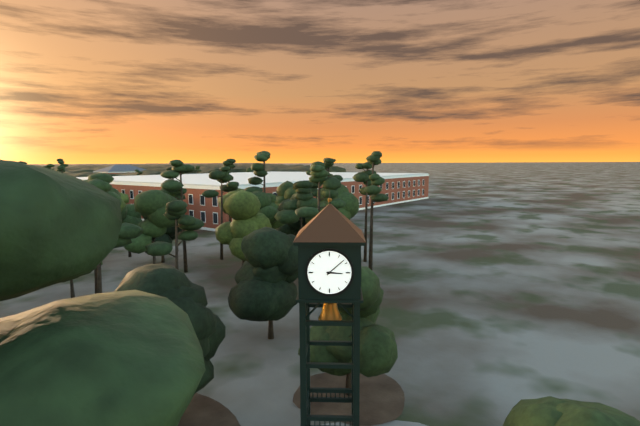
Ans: 3:08
